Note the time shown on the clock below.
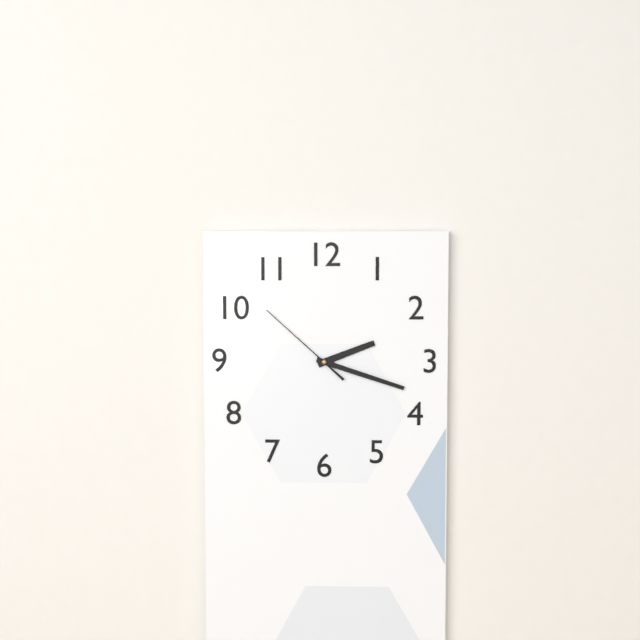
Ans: 2:18:52
